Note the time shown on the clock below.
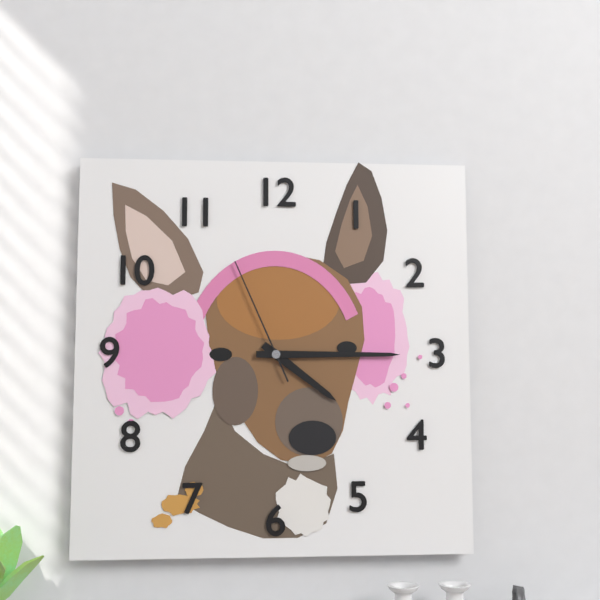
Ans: 4:15:56
